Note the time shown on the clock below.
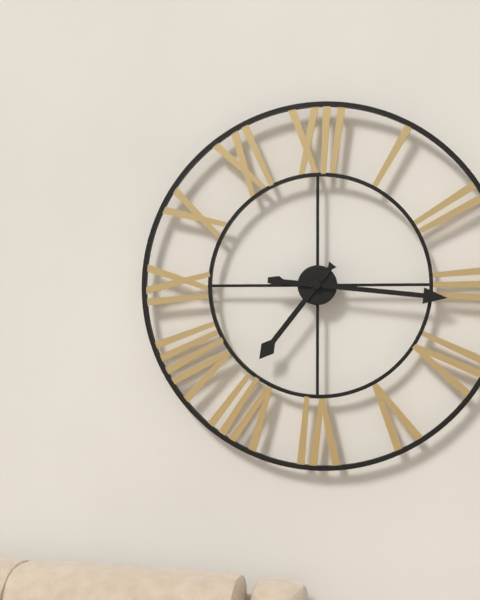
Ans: 7:16
